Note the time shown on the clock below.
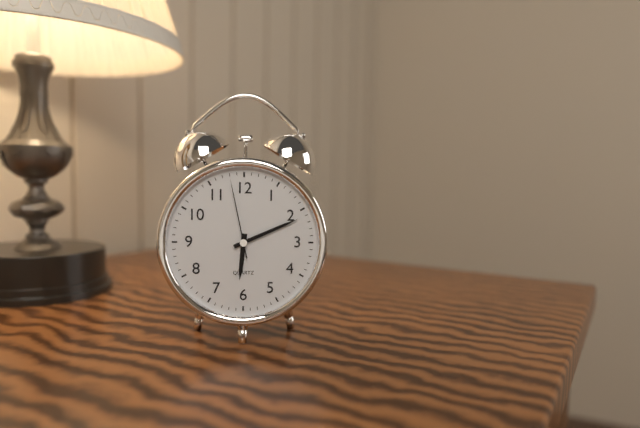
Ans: 6:11:58
